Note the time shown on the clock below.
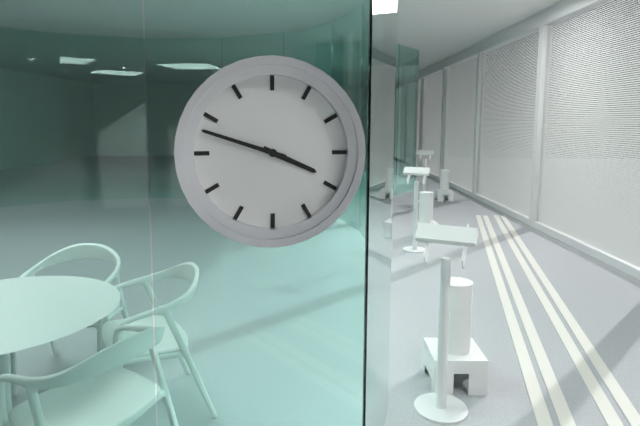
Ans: 3:48
